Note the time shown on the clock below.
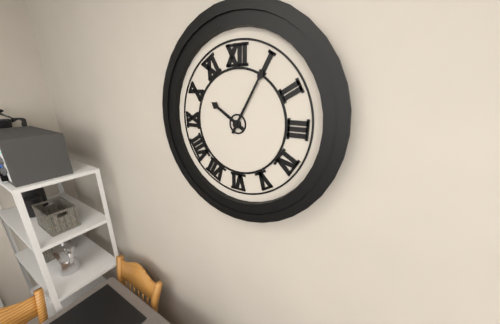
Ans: 10:05
